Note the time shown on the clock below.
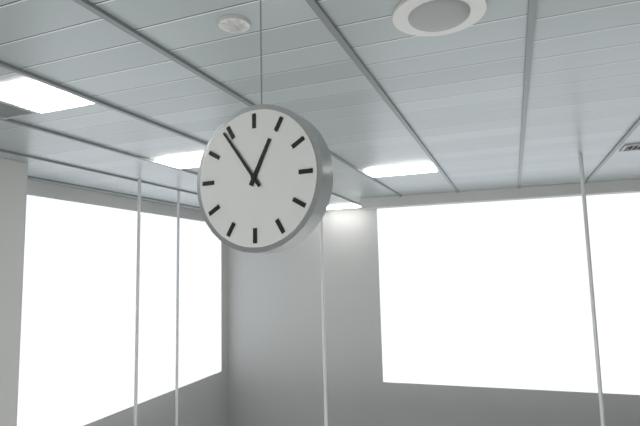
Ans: 12:54
